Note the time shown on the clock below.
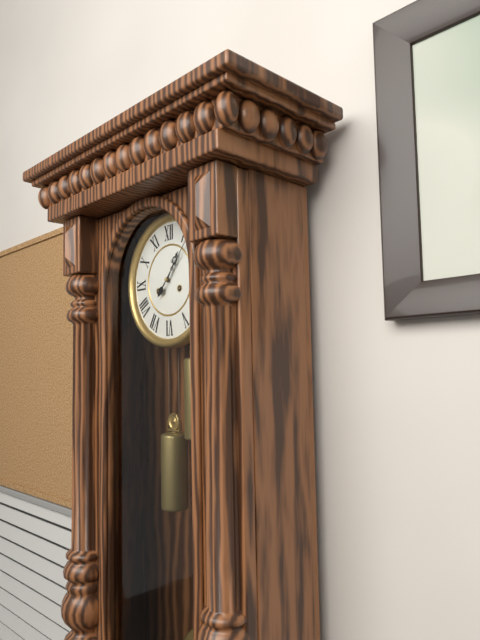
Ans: 1:07
